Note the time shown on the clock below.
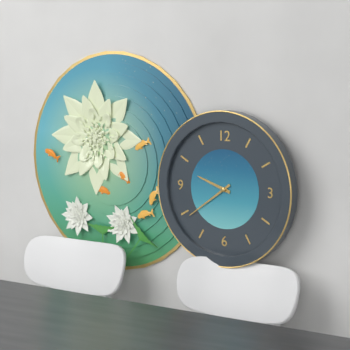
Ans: 9:39
